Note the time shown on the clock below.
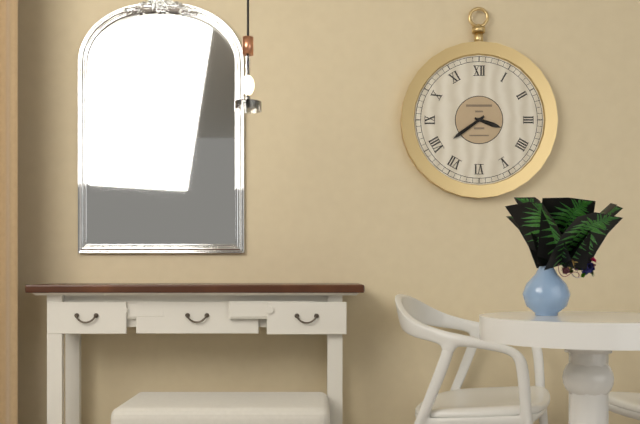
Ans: 3:39
